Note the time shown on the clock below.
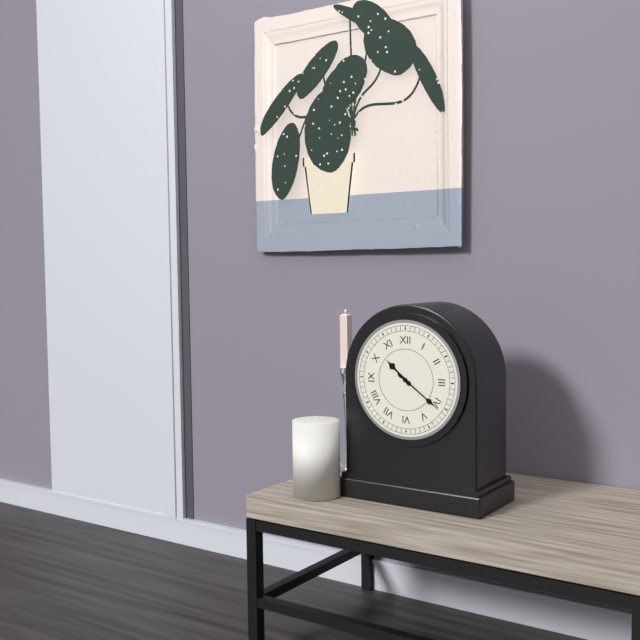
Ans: 10:21
